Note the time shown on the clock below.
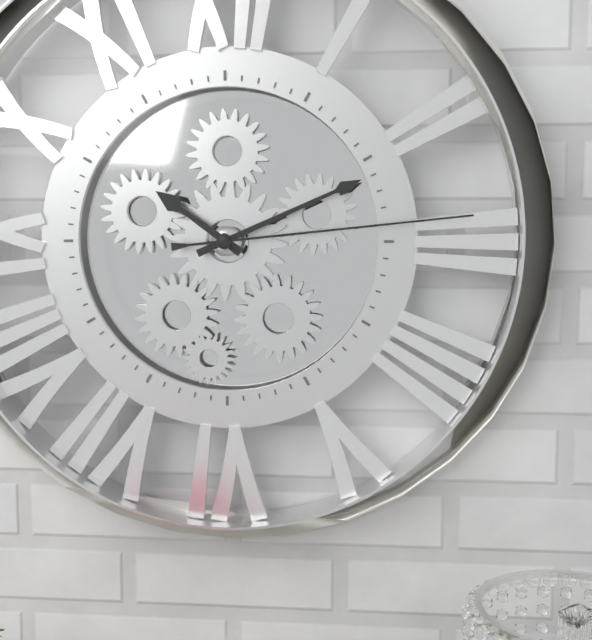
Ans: 10:11:14
